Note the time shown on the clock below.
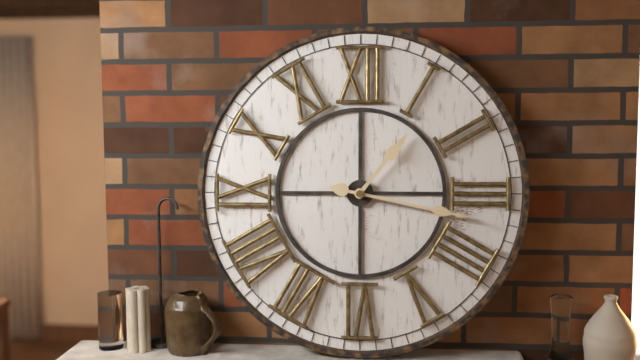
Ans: 1:17
